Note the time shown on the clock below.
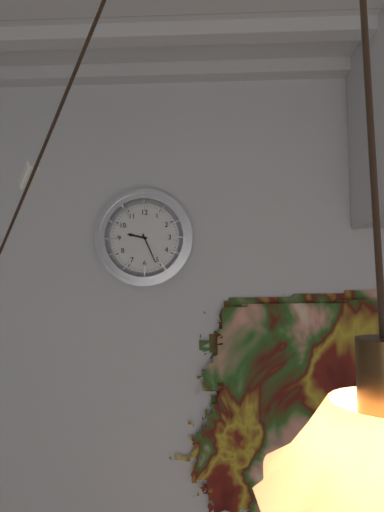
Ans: 9:26
